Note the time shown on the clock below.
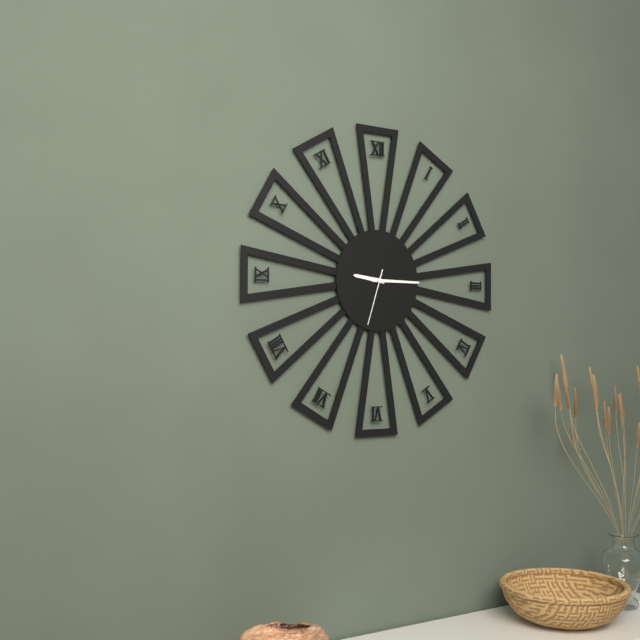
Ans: 9:15:33
